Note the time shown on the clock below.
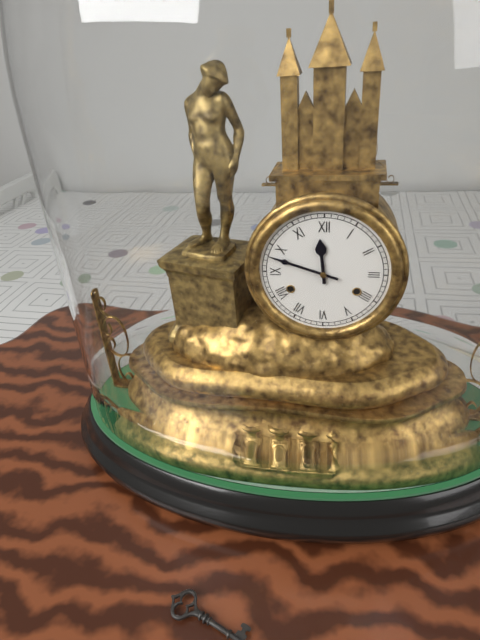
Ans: 11:48
